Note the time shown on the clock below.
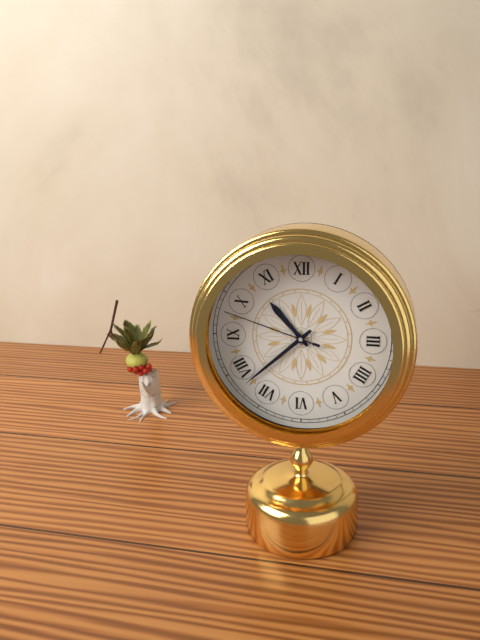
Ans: 10:38:48
